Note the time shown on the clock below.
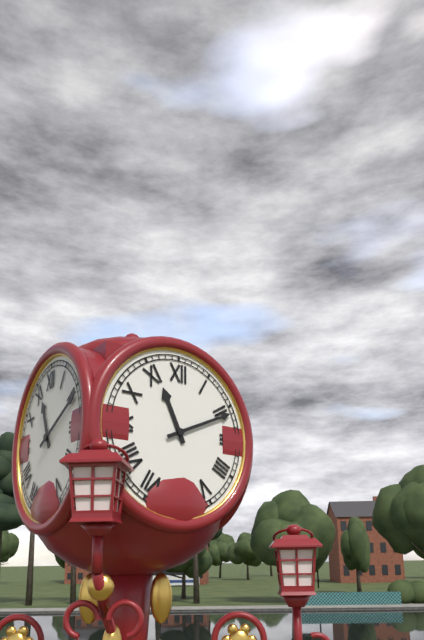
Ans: 11:11
